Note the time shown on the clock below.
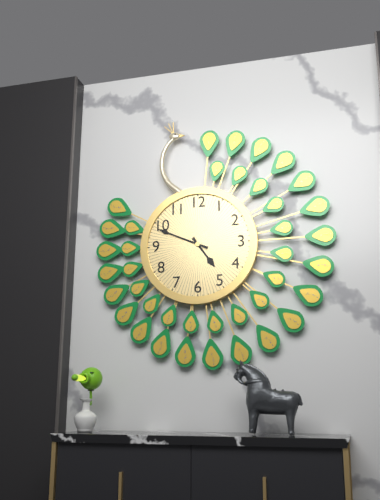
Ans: 4:49
